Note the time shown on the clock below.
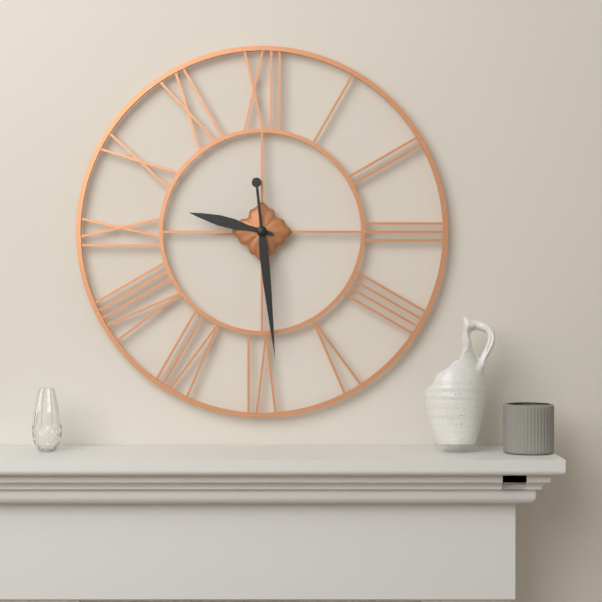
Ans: 9:29
